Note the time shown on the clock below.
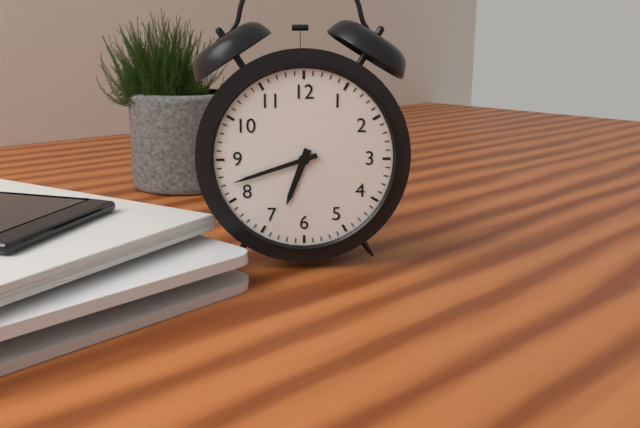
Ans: 6:42
